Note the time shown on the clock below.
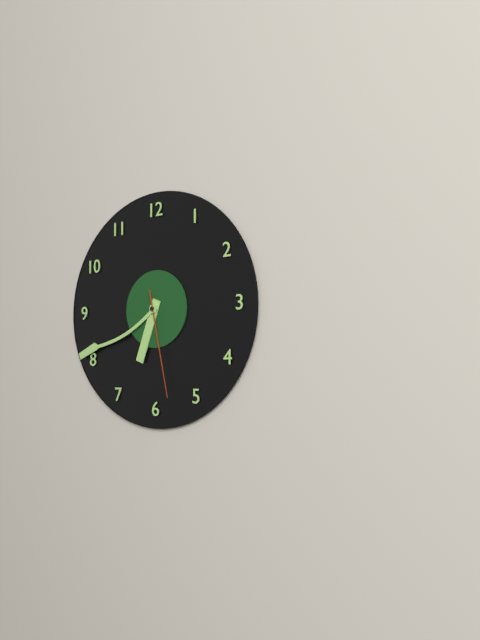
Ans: 6:41:28
